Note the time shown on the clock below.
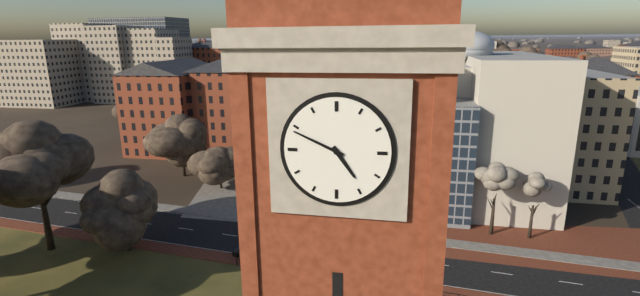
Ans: 4:49
